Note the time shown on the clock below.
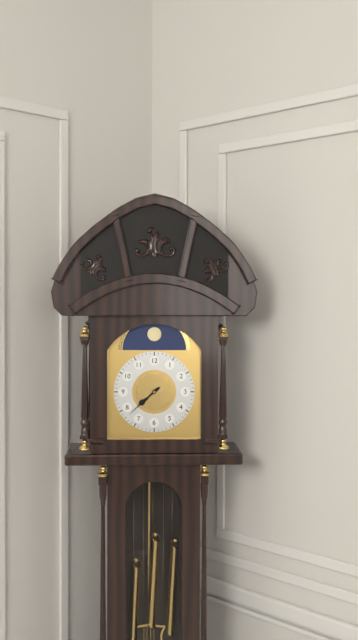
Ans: 7:38
